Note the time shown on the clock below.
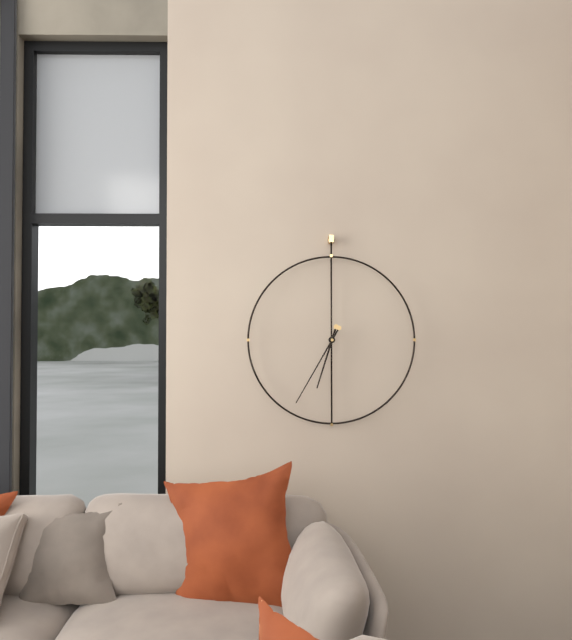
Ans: 6:35
